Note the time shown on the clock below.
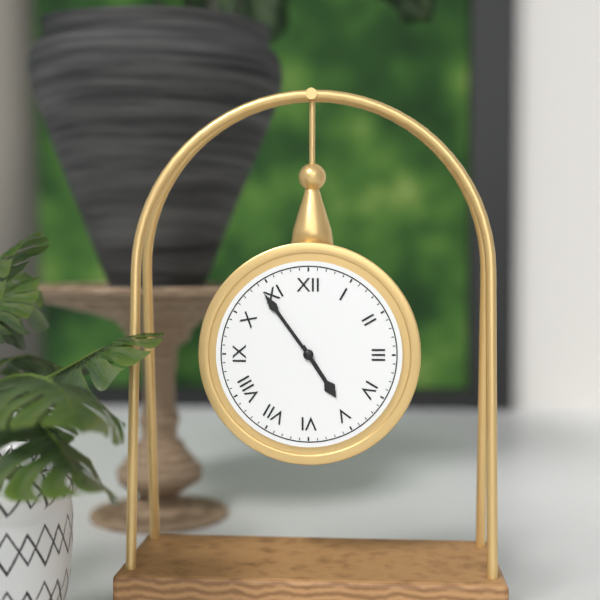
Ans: 4:54
